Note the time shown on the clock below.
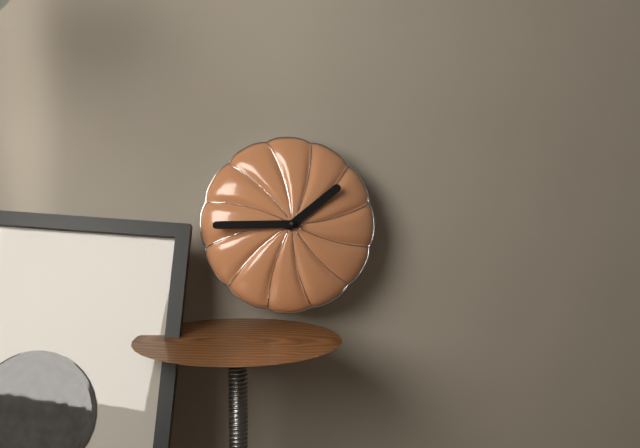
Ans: 1:45
